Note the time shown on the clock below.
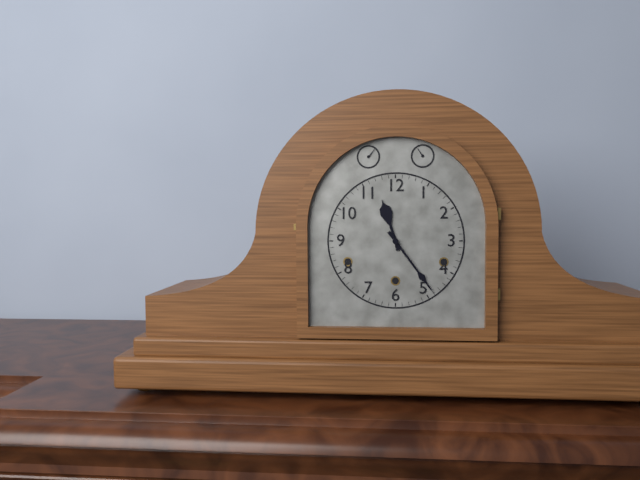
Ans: 11:24
